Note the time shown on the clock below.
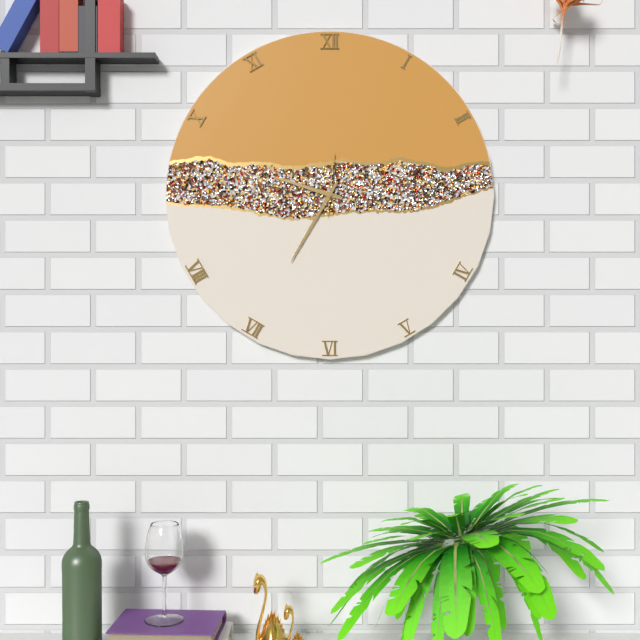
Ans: 9:35:01
